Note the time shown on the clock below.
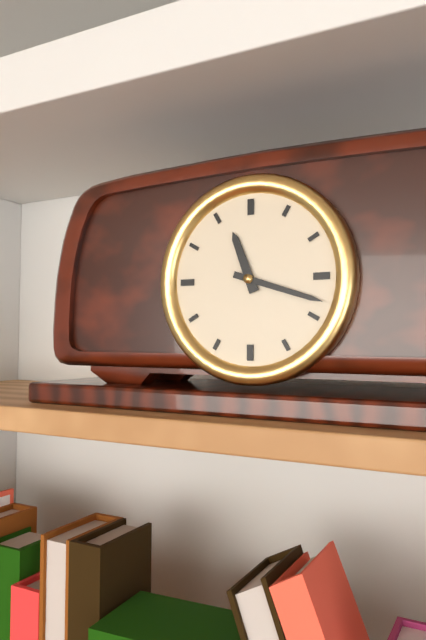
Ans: 11:18
